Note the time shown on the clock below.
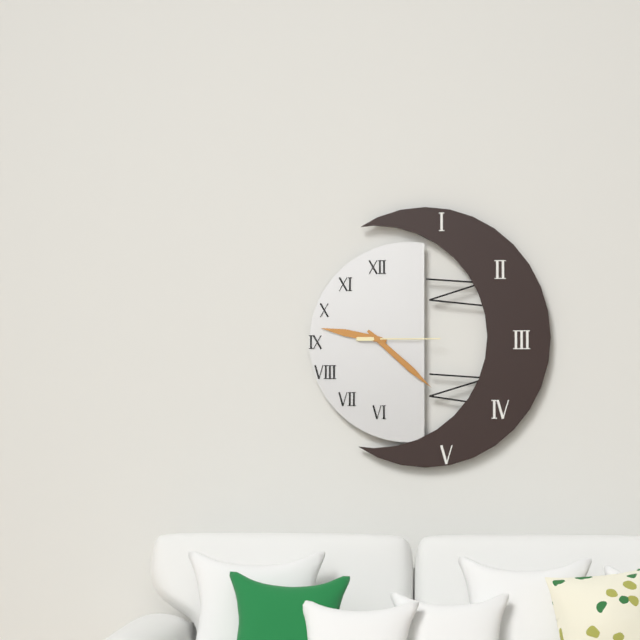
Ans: 9:22:15
